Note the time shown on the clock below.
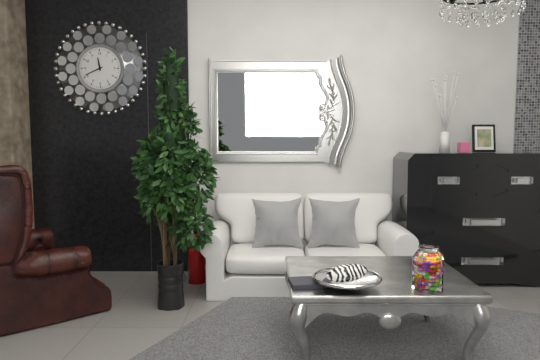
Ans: 11:41
